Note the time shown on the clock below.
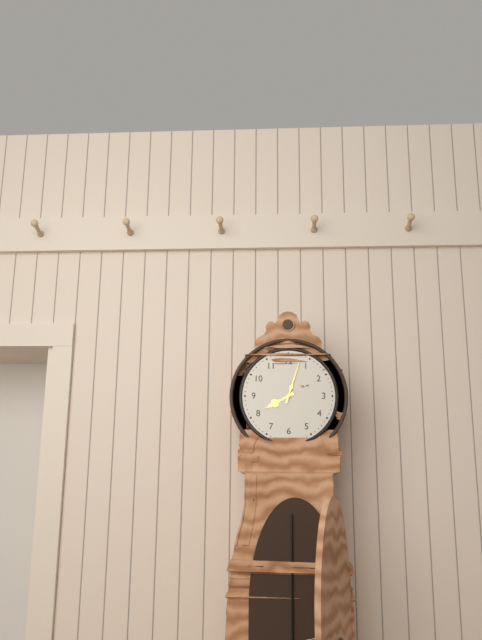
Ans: 8:03
